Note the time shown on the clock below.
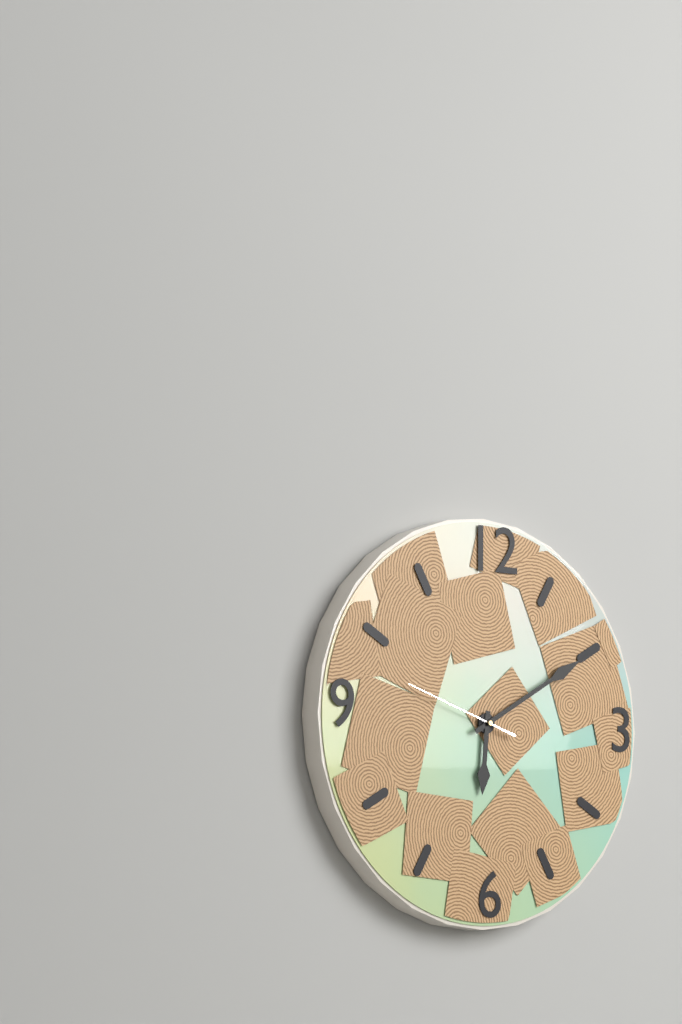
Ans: 6:10:48
